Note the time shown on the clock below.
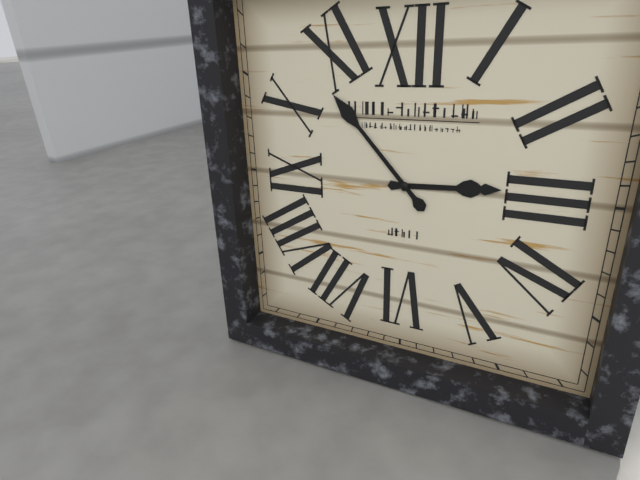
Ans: 2:53
